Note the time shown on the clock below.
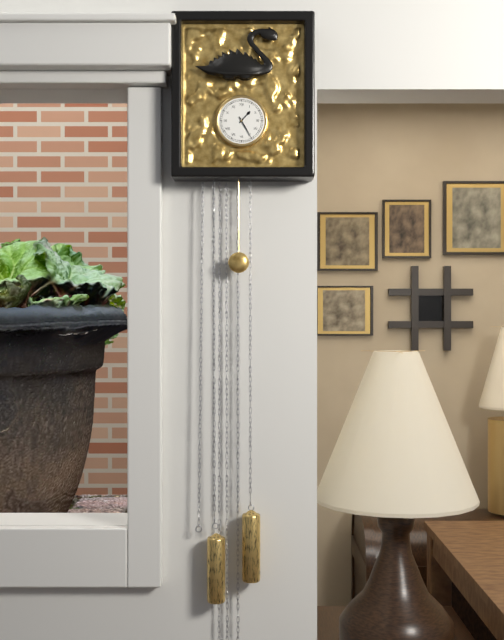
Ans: 1:25
